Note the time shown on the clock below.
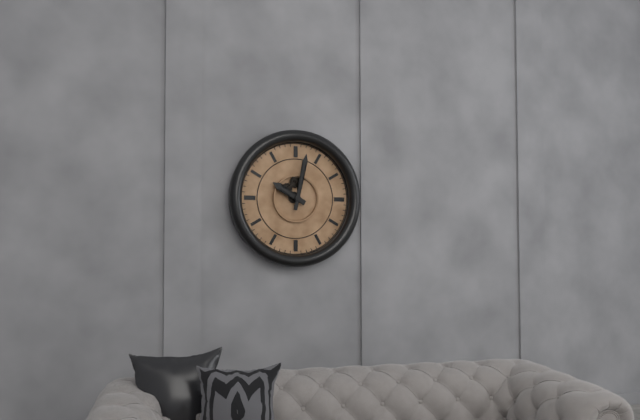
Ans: 10:02
